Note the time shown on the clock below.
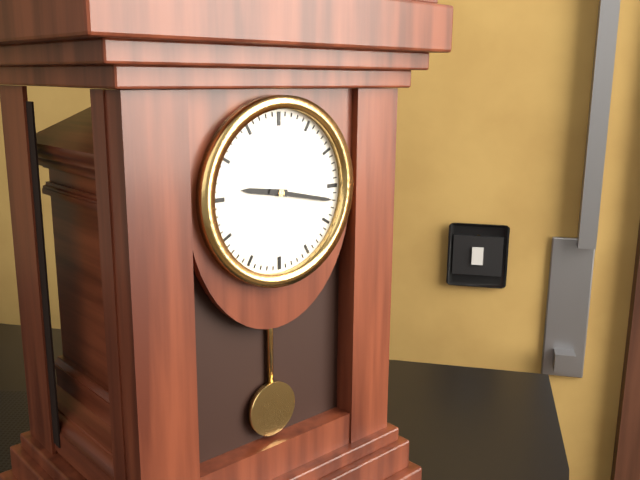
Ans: 9:17
